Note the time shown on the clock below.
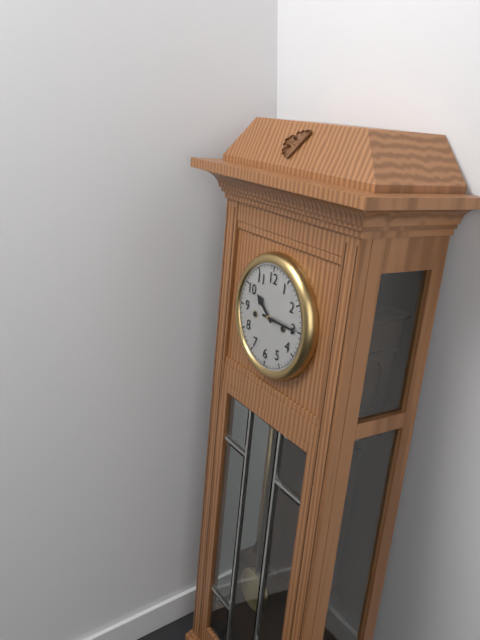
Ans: 10:15
